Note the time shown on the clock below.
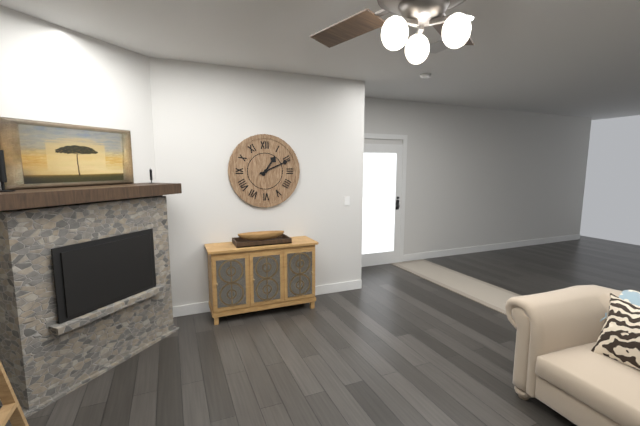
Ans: 1:11
